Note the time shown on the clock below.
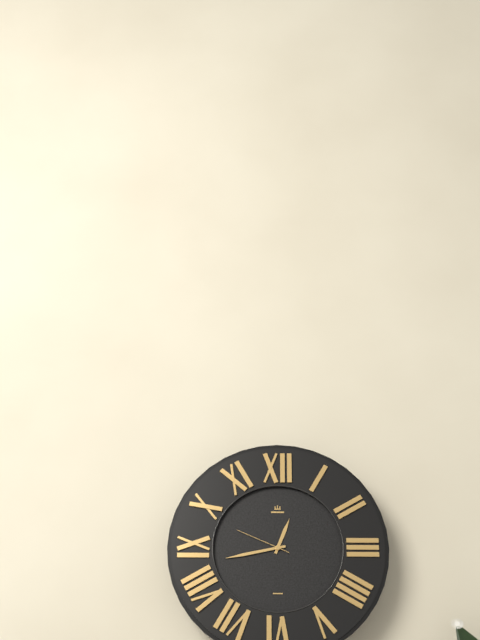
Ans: 12:43:49
